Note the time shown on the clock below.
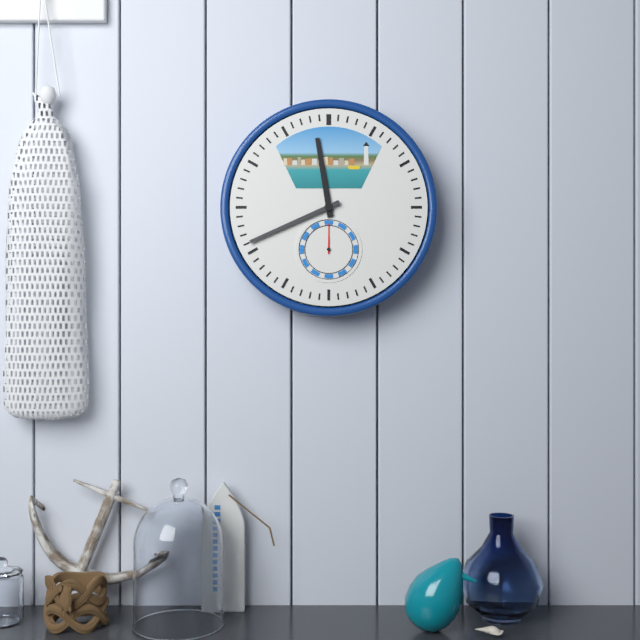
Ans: 11:41
